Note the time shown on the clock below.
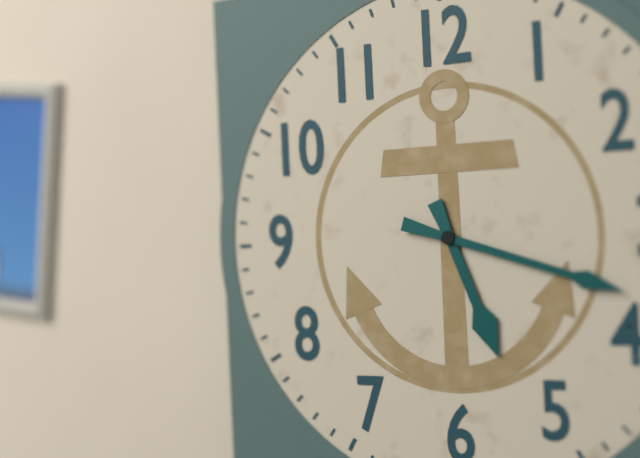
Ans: 5:18
